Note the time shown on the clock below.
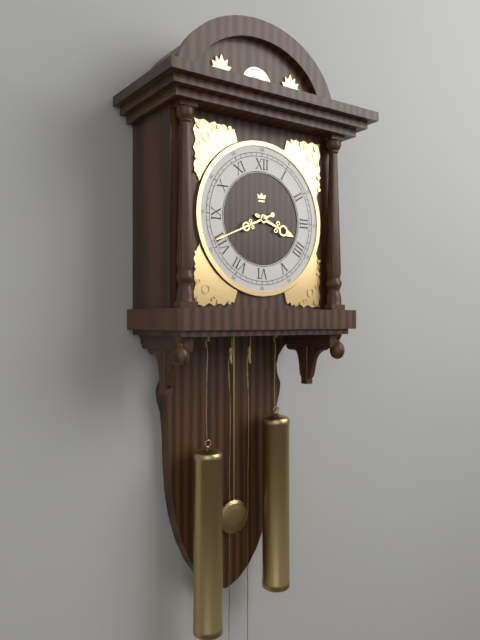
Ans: 3:41
